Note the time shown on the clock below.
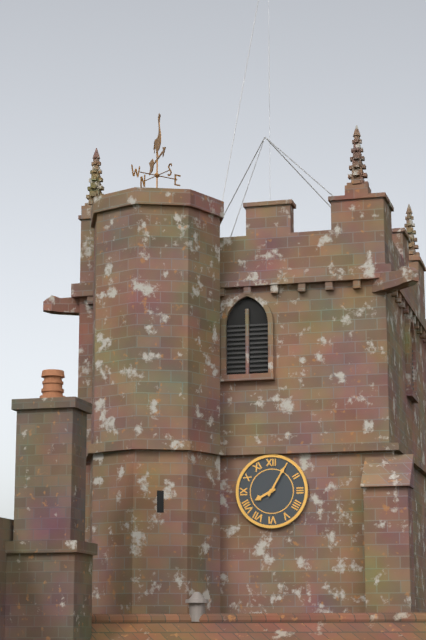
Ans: 8:05
